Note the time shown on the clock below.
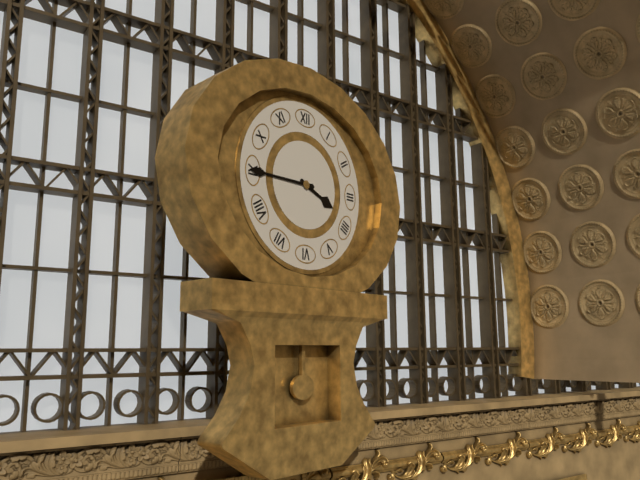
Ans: 3:45
